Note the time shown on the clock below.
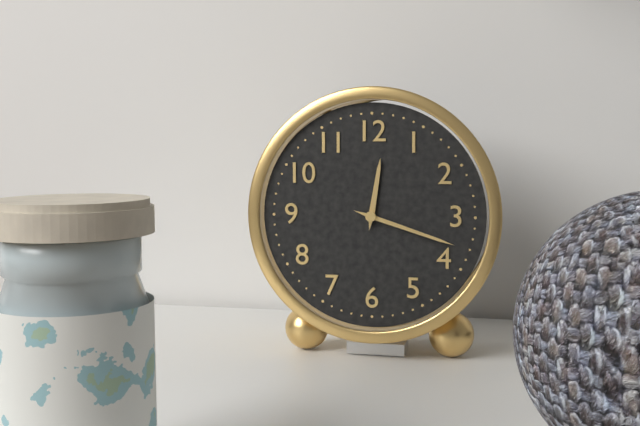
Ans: 12:18
